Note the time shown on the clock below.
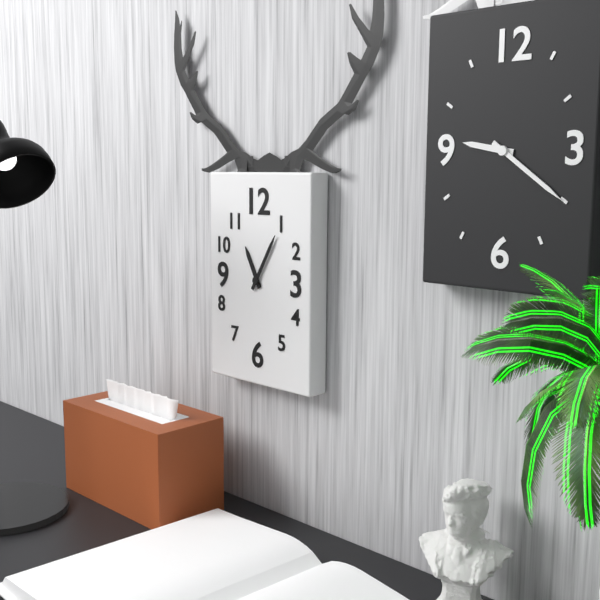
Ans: 11:05
